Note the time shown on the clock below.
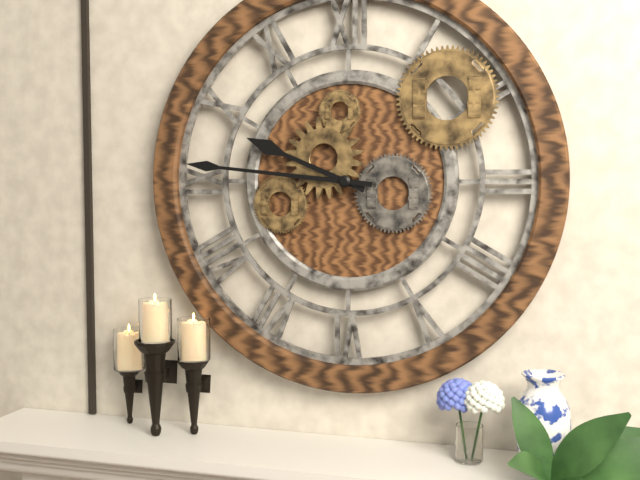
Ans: 9:46
